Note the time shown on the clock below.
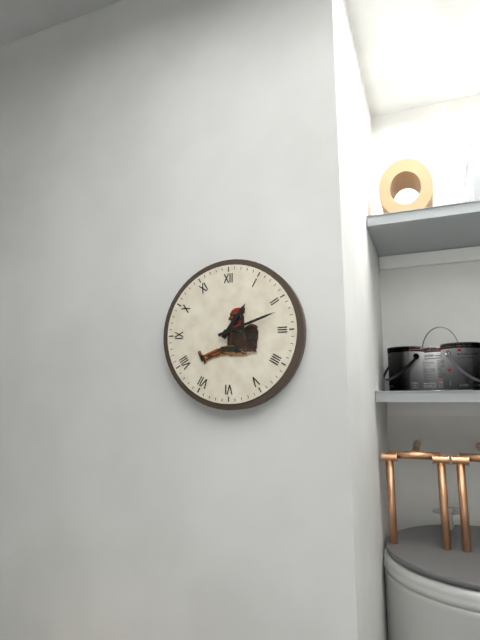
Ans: 1:12
